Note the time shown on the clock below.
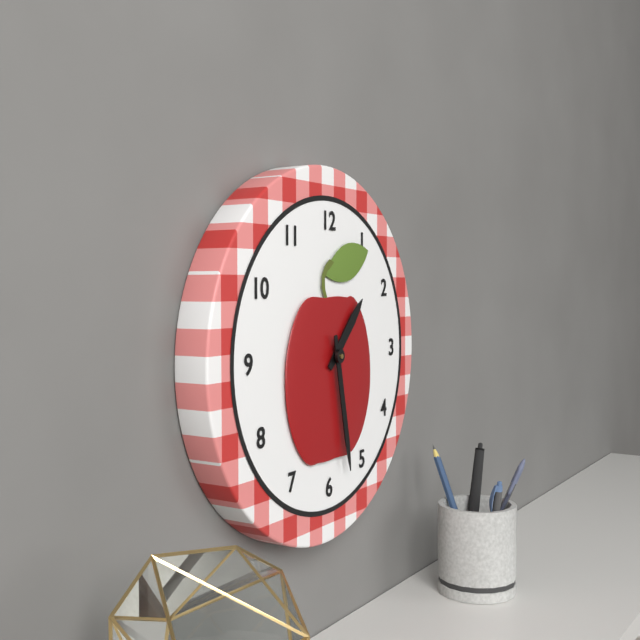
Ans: 1:28
